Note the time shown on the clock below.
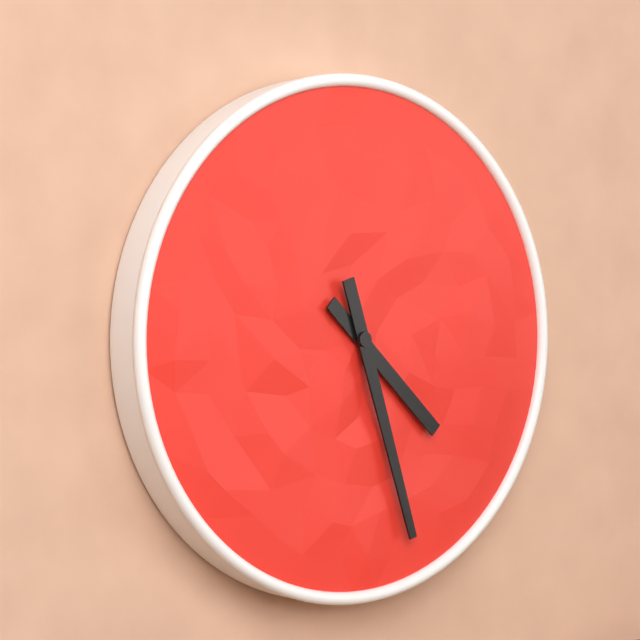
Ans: 4:27
